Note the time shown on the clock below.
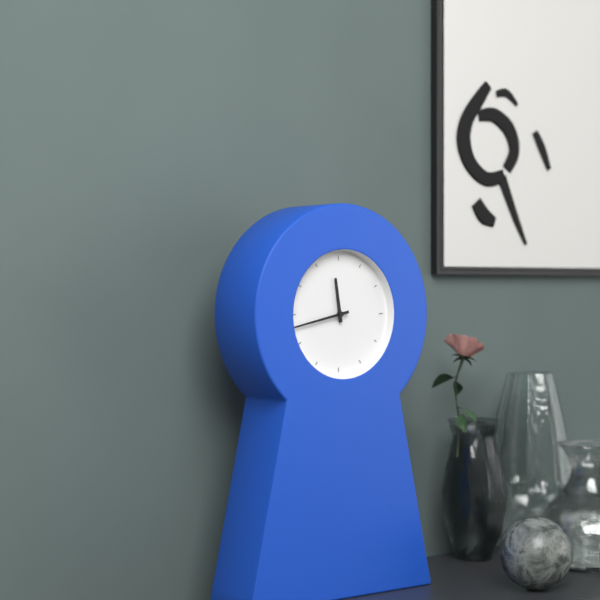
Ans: 11:43
